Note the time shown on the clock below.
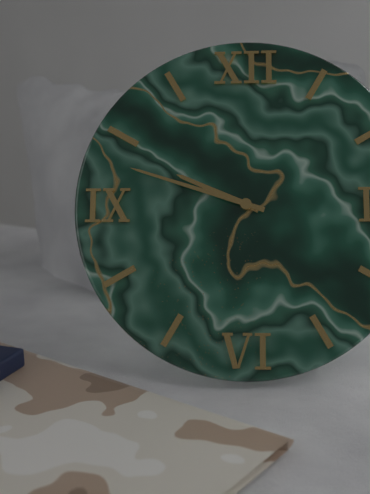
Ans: 9:48
